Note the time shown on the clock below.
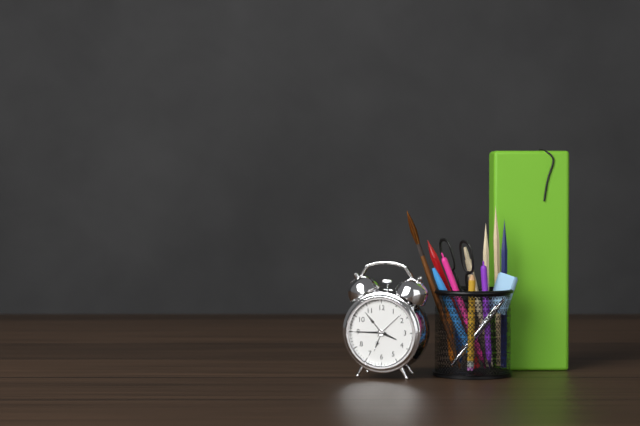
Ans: 3:45
